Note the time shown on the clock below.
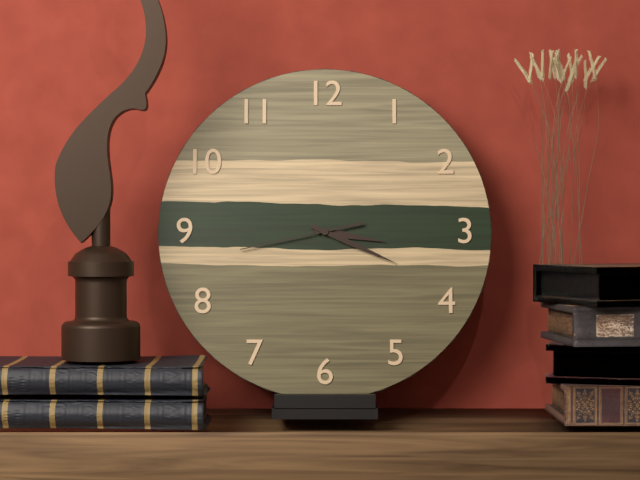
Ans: 3:19:43
